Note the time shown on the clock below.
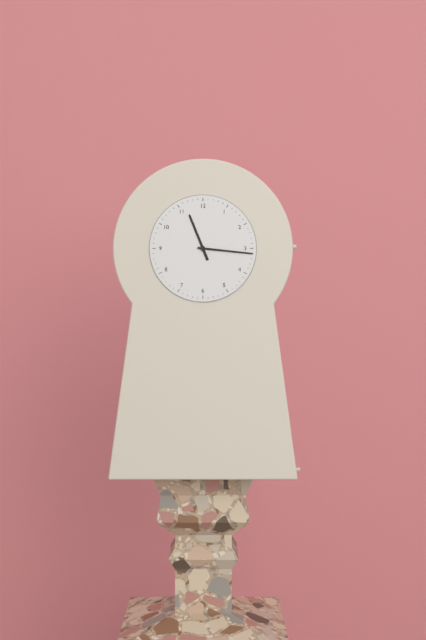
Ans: 11:16
